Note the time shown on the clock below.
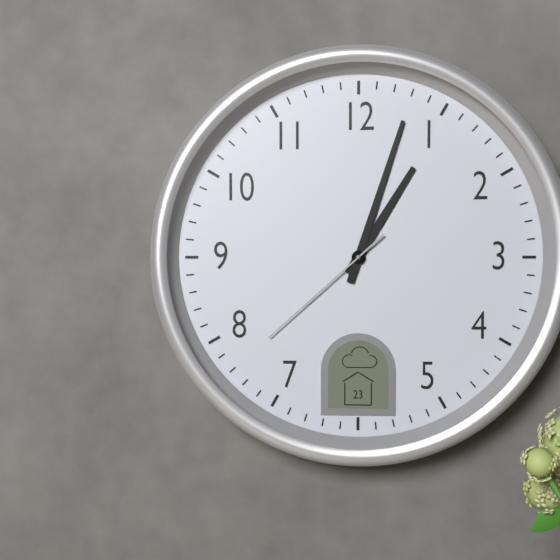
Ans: 1:03:38
